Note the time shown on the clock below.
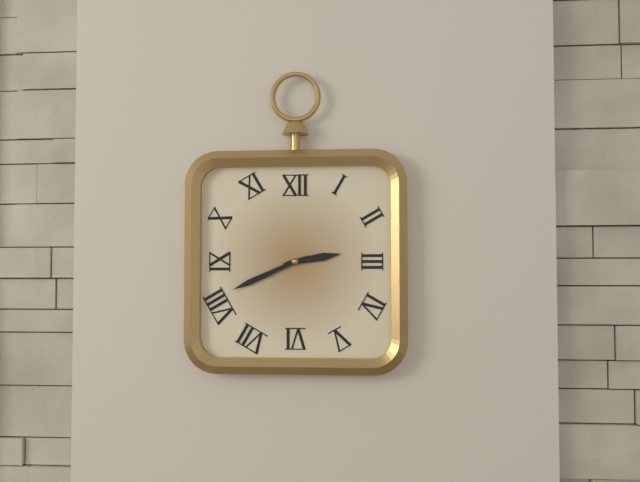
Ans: 2:41
